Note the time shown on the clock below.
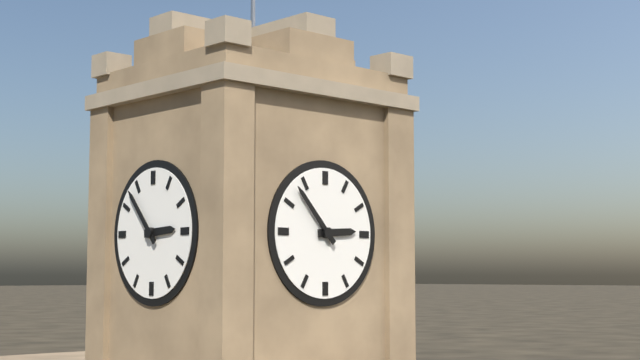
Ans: 2:53
